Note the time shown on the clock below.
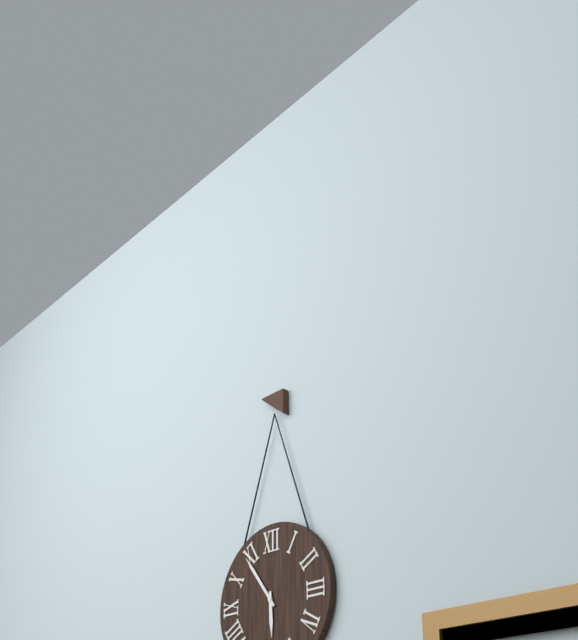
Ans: 5:54
